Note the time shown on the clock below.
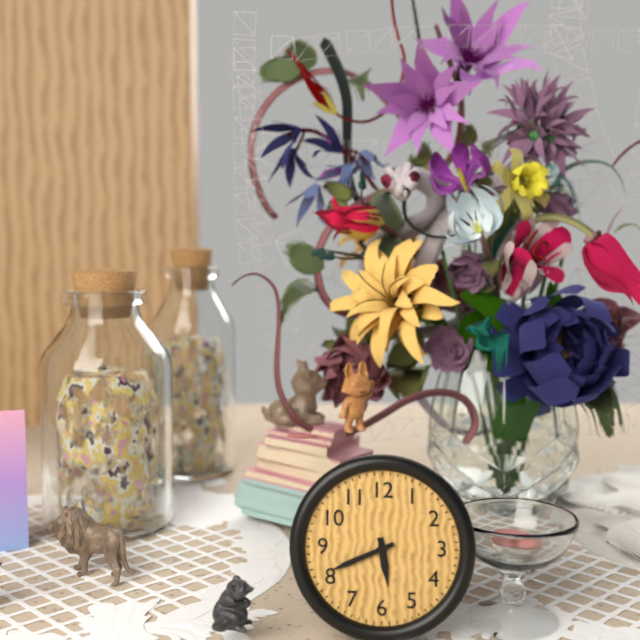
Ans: 5:41
